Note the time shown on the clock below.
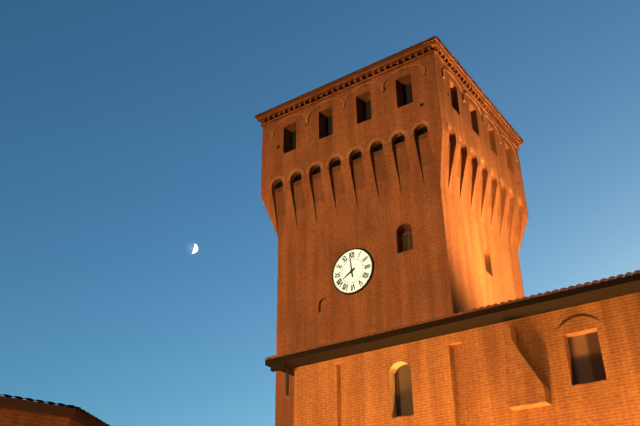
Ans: 7:59
